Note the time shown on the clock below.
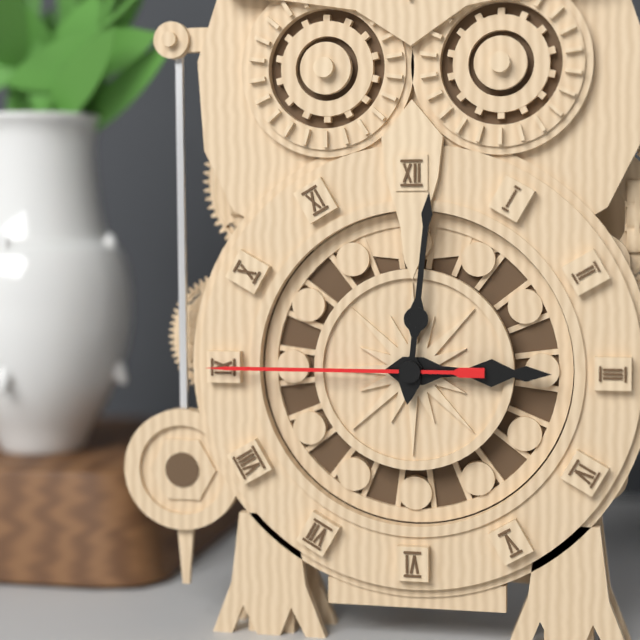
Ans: 3:01:45
